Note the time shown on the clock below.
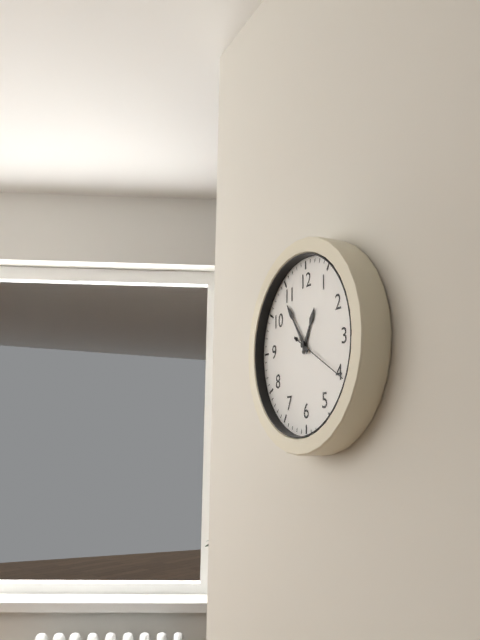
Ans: 12:54:20
